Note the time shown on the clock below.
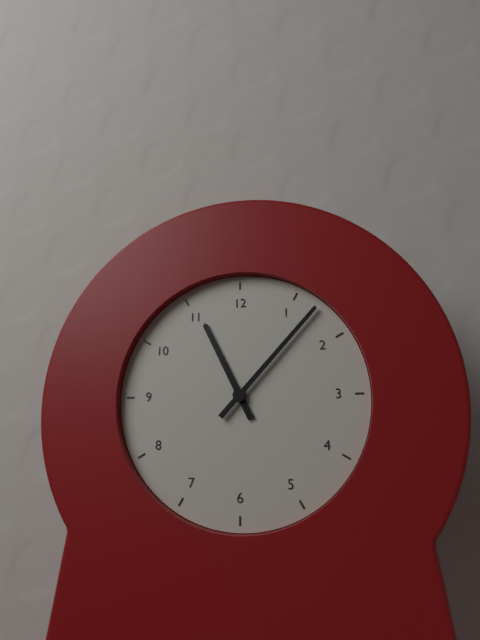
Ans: 11:07
